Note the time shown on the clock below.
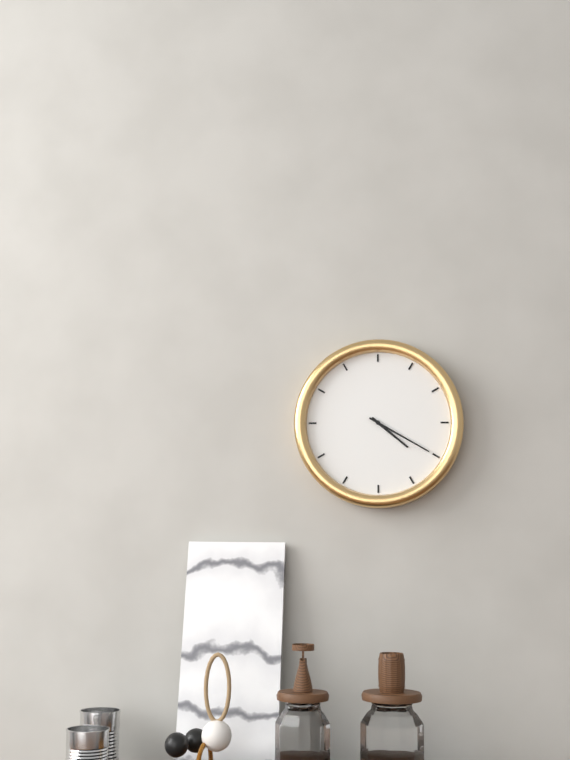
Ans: 4:20
